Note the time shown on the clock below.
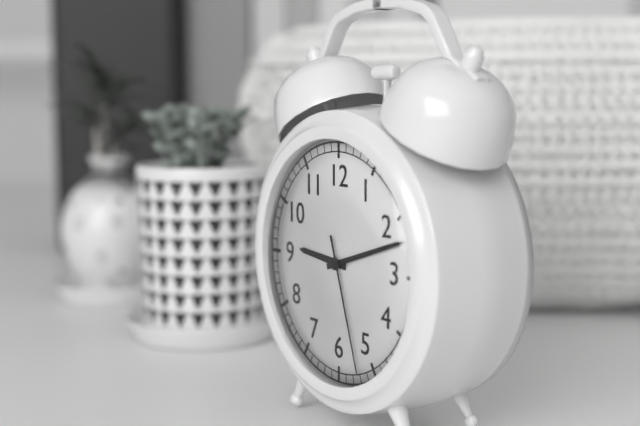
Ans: 9:12:27
